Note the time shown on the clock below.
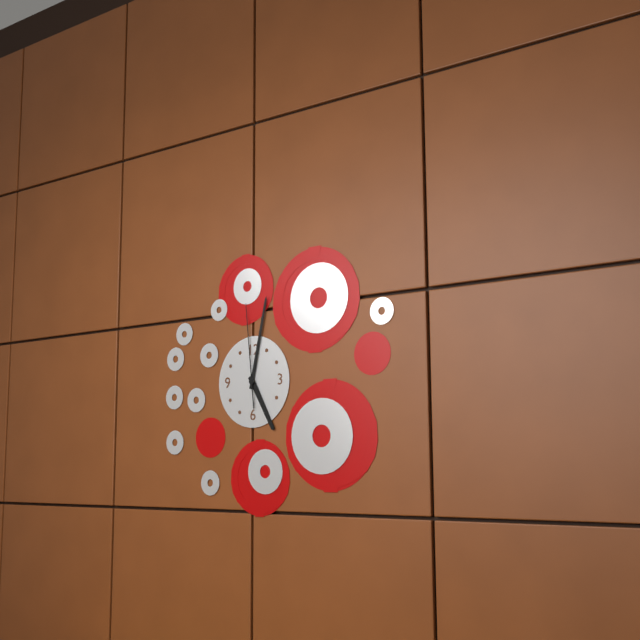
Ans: 5:02:59
